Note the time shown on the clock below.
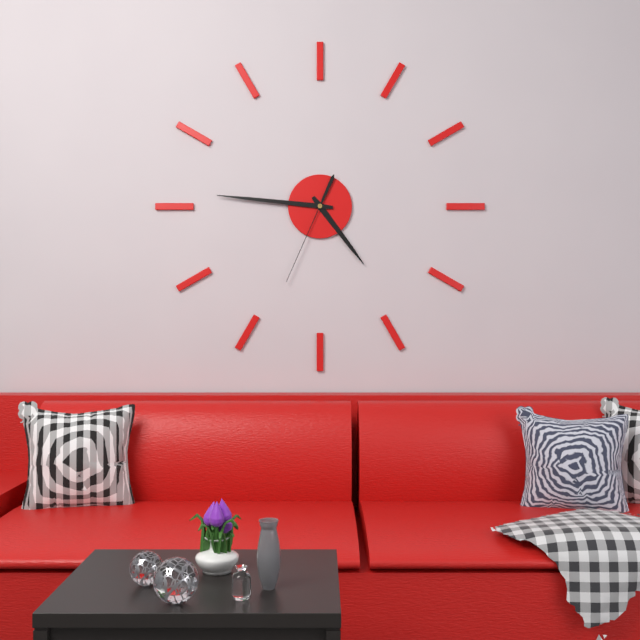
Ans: 4:46:34
